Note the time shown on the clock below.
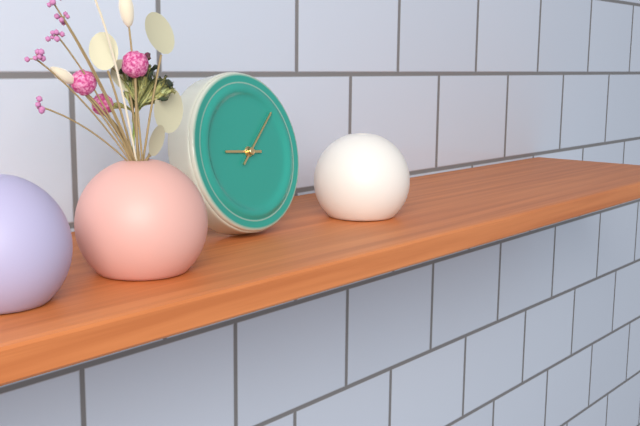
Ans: 9:08
